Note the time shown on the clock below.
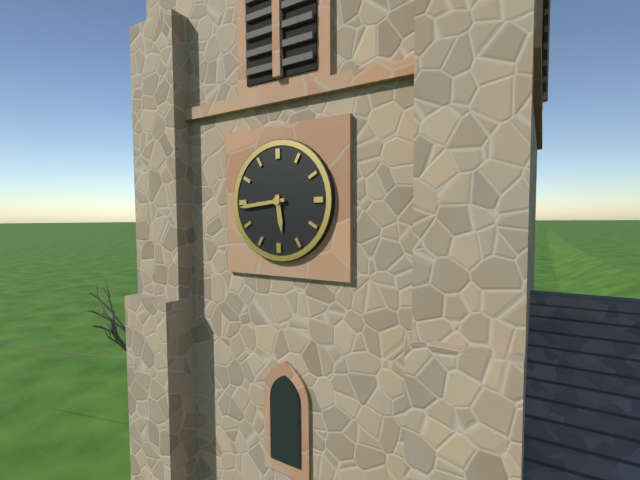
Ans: 5:44
